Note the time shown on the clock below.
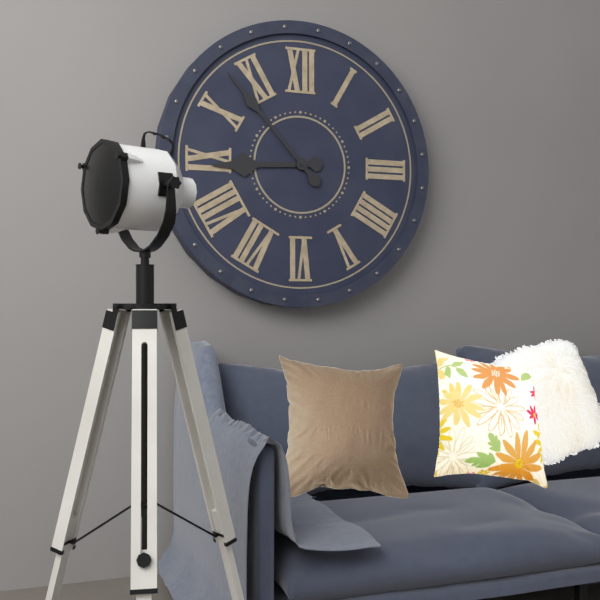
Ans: 8:53
